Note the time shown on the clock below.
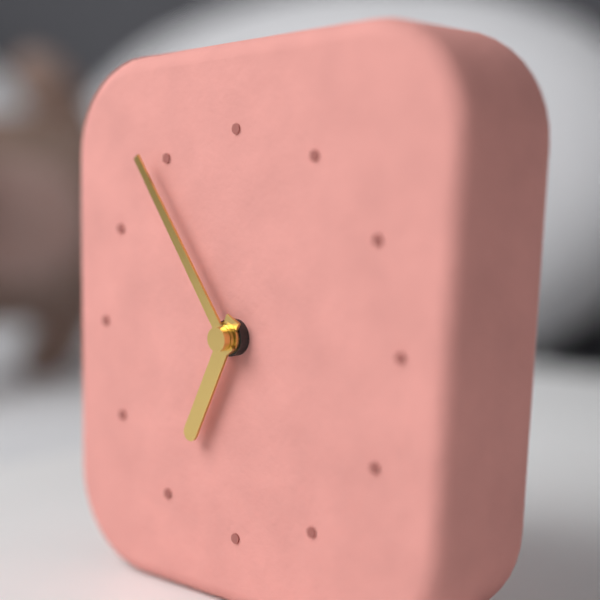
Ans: 6:54
